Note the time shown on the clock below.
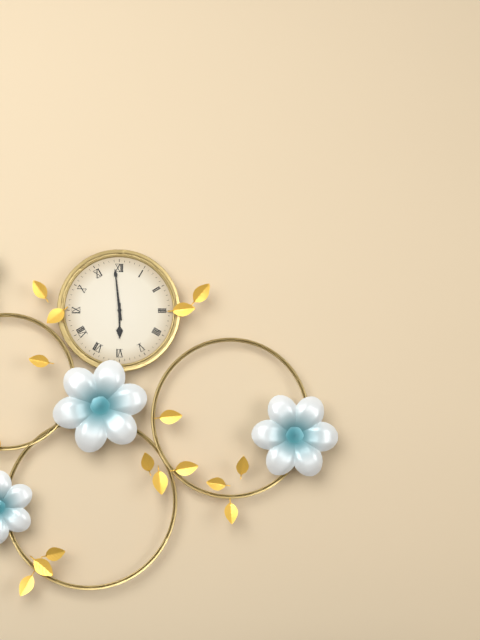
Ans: 5:59
